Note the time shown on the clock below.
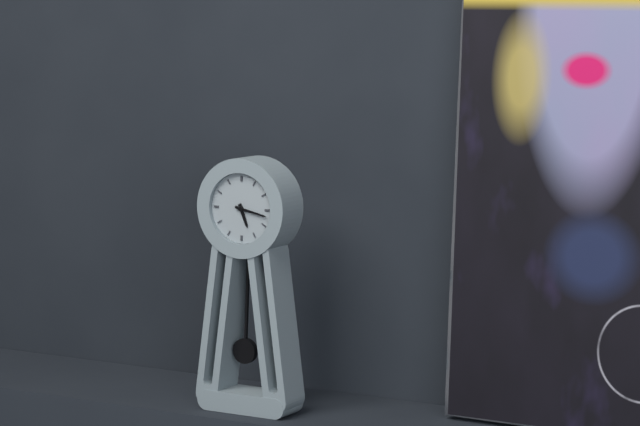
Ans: 5:17
